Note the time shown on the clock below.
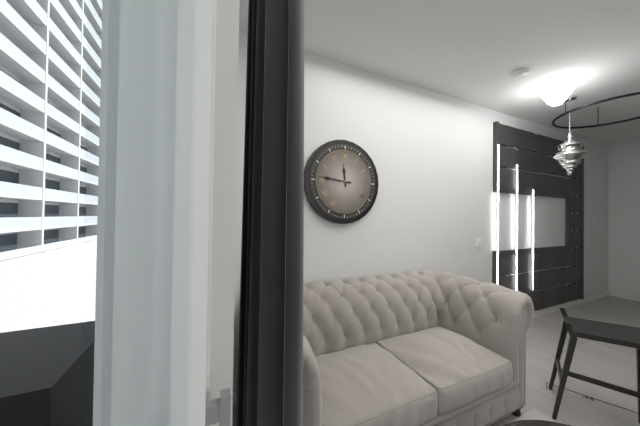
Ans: 11:46
